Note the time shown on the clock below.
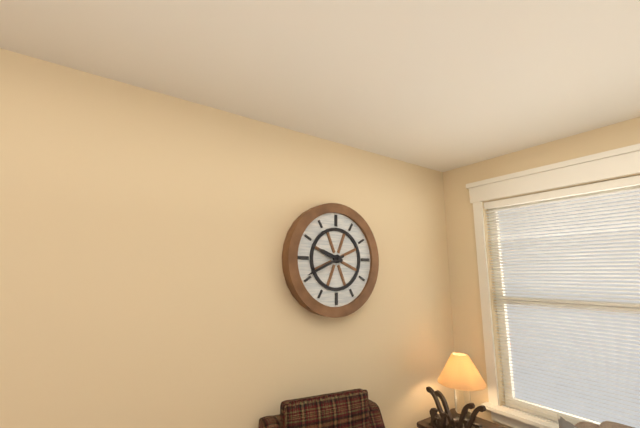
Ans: 9:41
